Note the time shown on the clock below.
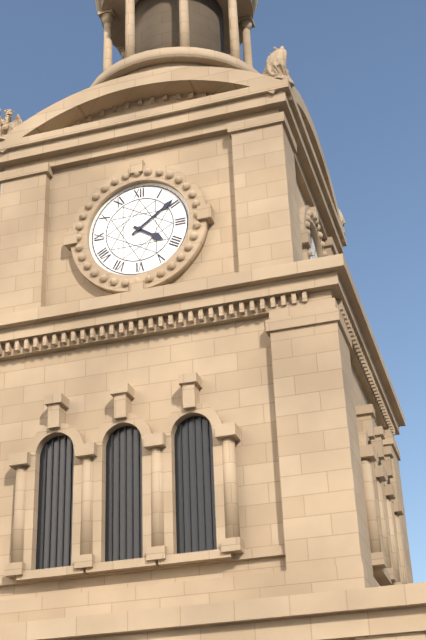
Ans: 4:09
